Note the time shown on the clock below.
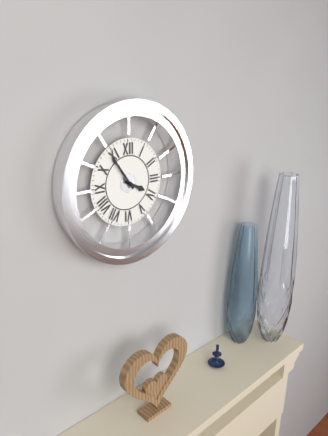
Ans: 3:54
